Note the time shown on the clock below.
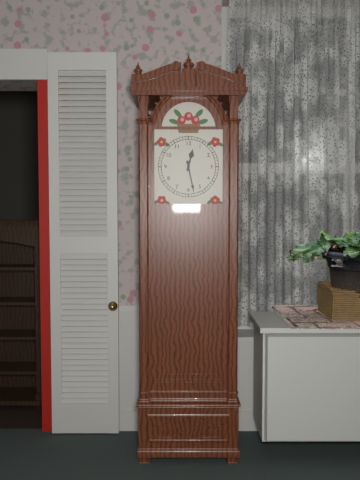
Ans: 12:28
